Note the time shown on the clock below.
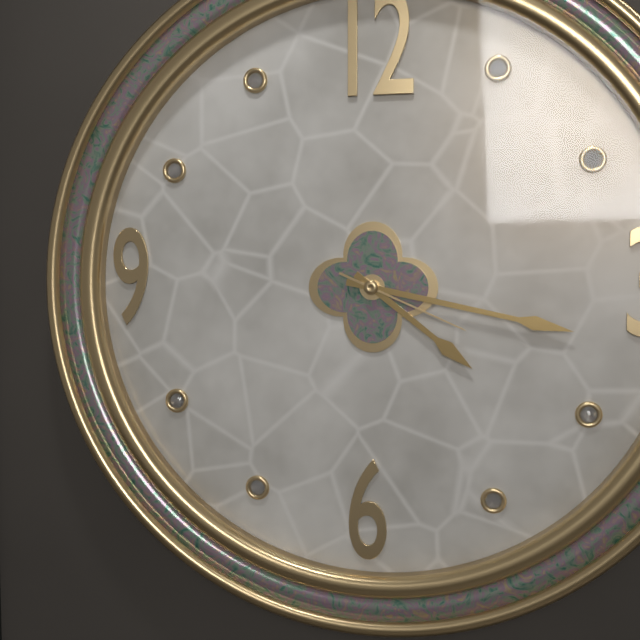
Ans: 4:17:19
